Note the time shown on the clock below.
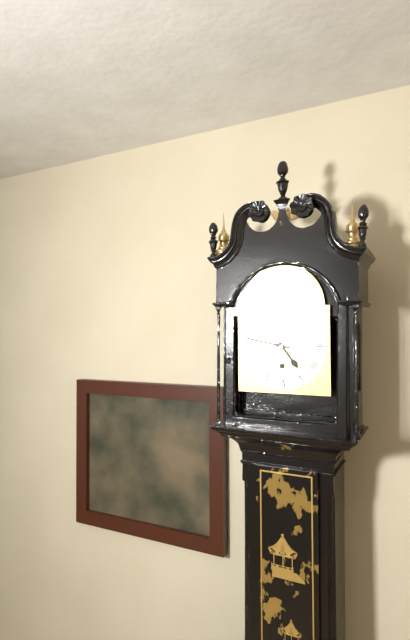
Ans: 4:47
